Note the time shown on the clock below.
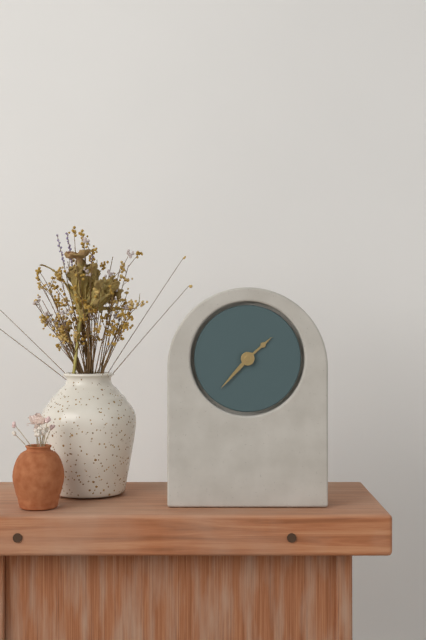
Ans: 1:37
